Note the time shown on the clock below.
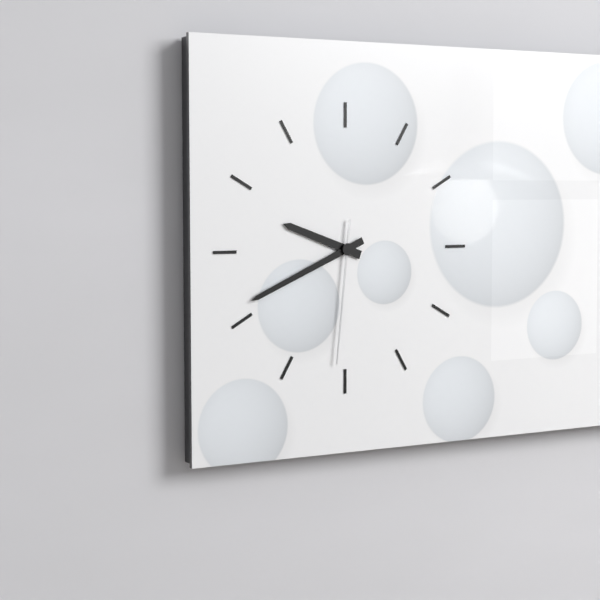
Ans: 9:41:31
